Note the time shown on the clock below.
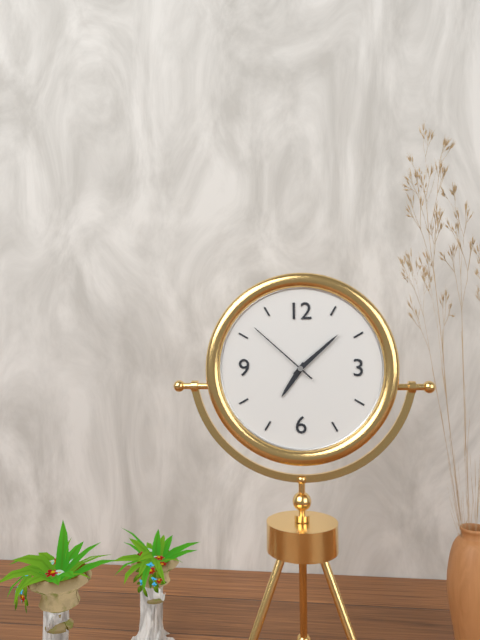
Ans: 7:08:52
